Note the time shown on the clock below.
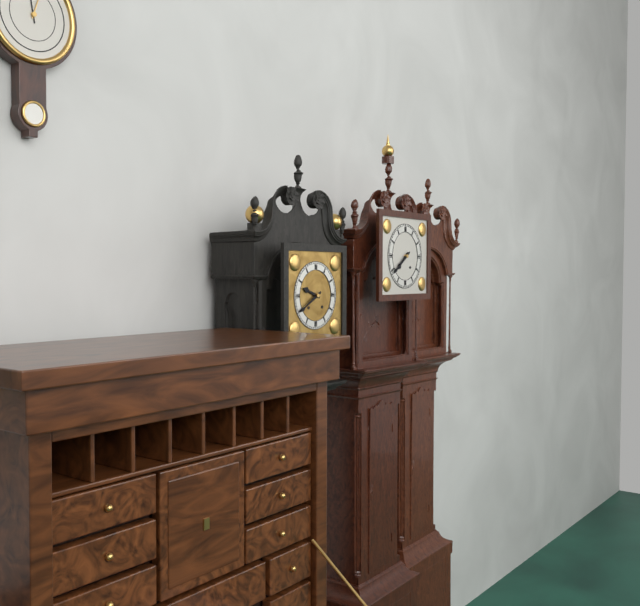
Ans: 7:39
